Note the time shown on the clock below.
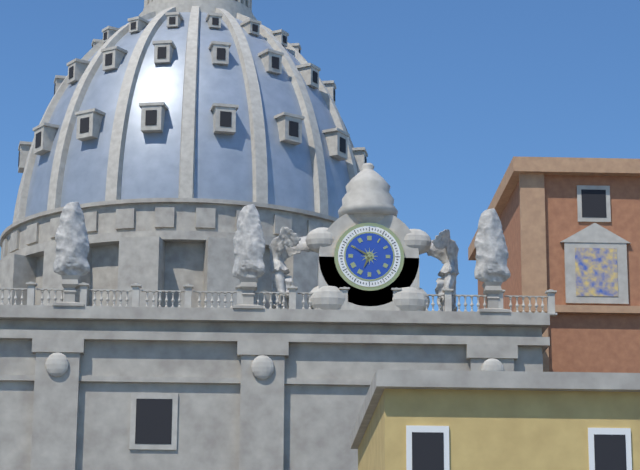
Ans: 6:50
